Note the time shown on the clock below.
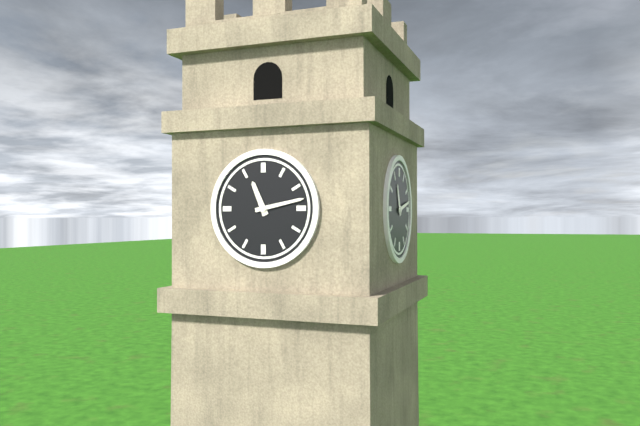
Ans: 11:13
